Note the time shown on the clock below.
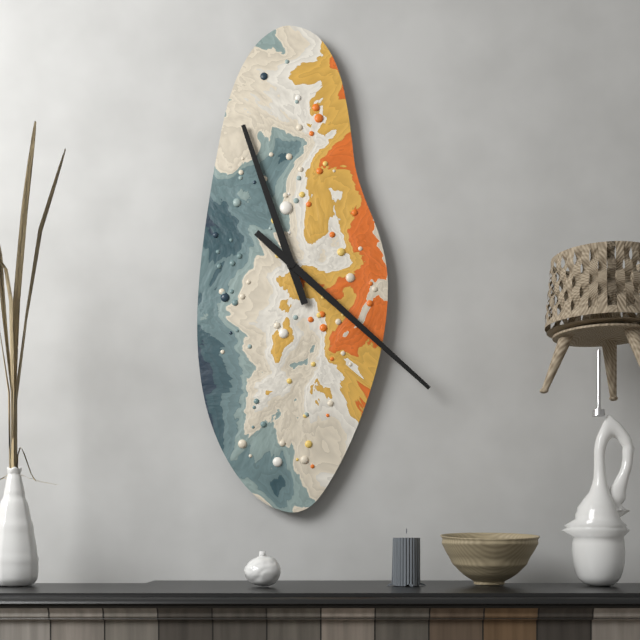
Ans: 11:22
